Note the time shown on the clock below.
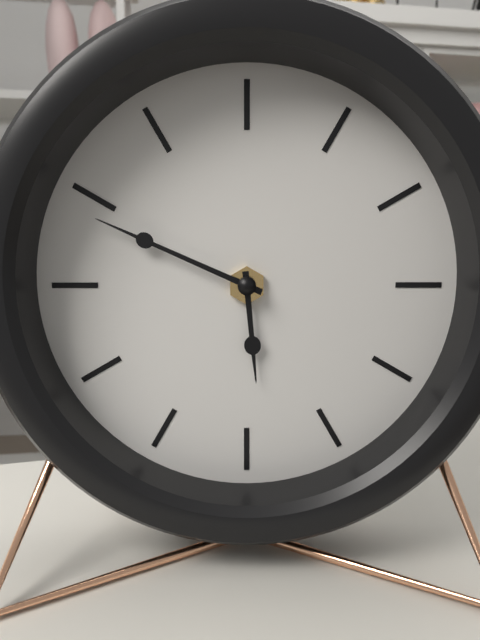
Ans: 5:49
